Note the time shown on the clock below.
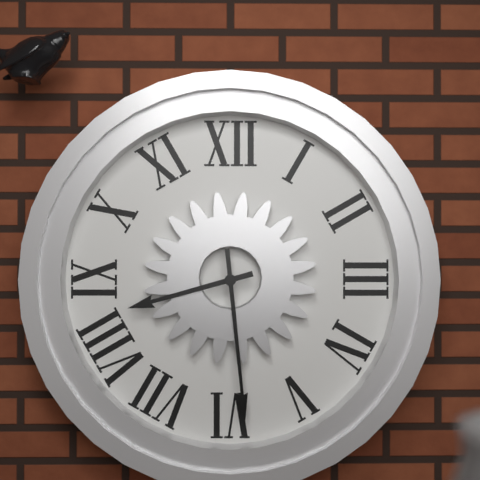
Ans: 8:29
